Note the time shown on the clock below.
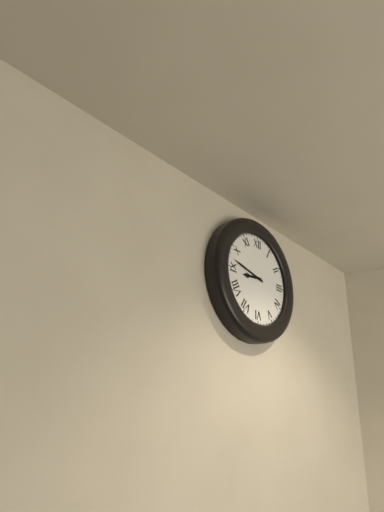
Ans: 8:47
